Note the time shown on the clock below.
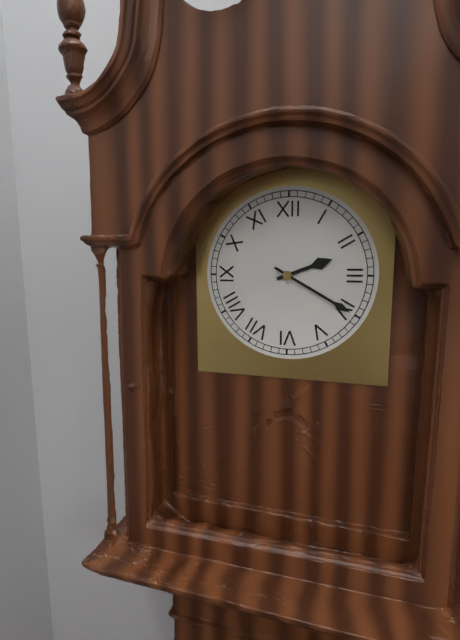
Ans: 2:20
